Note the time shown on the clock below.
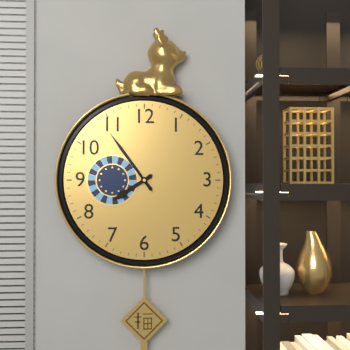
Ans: 7:54
